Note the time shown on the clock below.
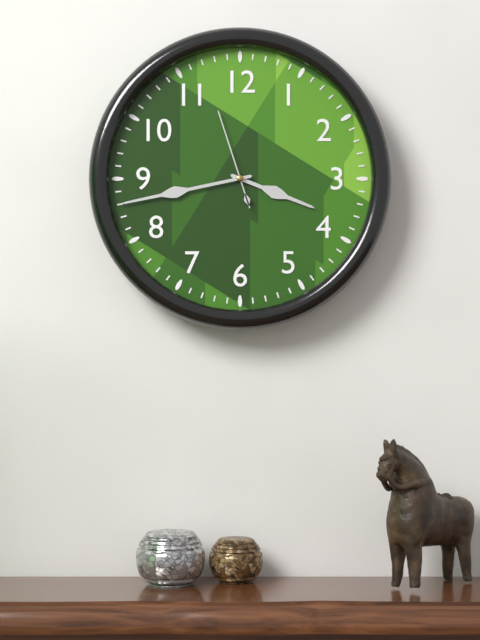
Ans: 3:43:57
